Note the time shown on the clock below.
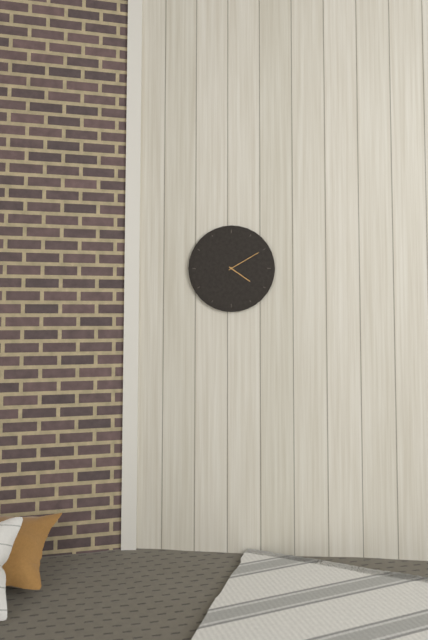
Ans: 4:10
